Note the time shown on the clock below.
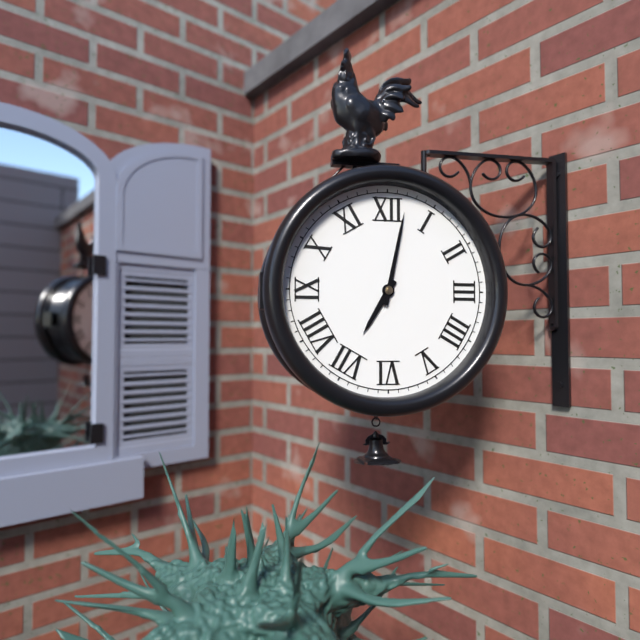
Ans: 7:02
